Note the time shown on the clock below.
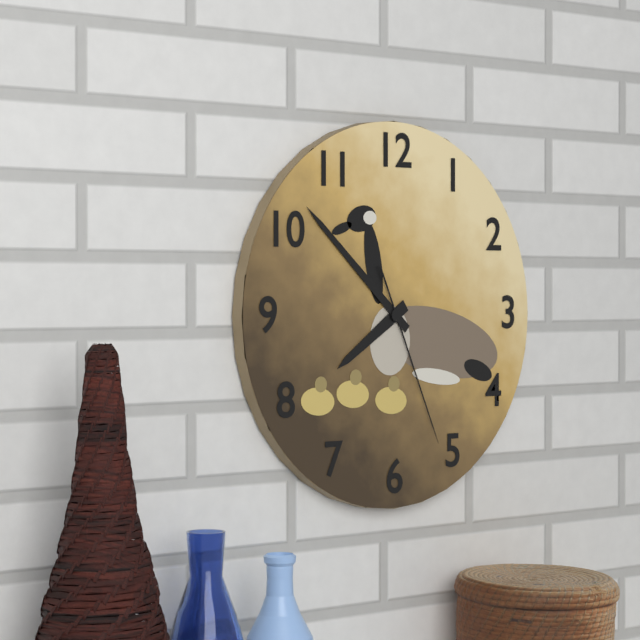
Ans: 7:52:26
